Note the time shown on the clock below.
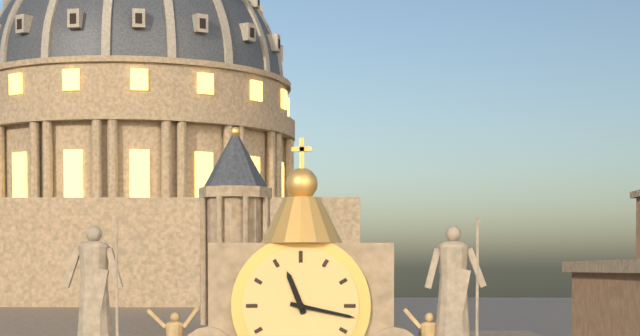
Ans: 11:17
